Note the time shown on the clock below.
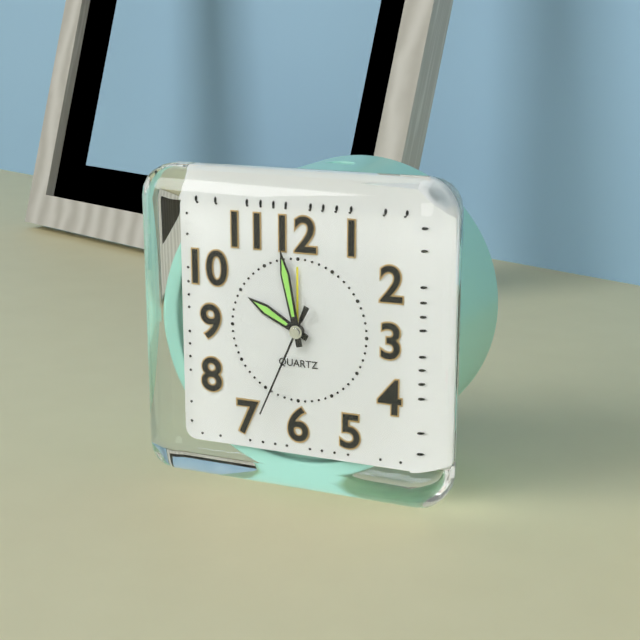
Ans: 9:58:34
